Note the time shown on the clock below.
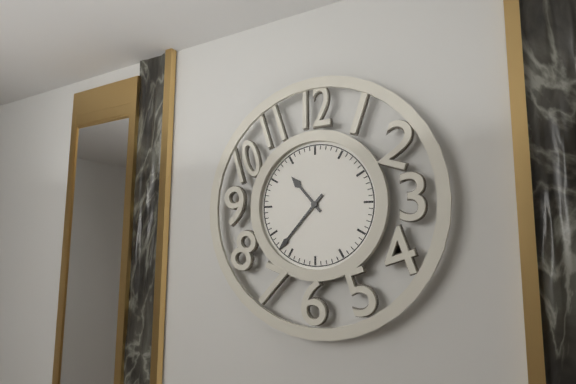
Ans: 10:37
